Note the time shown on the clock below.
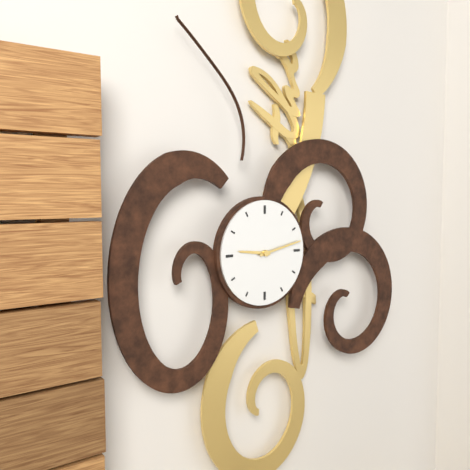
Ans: 9:13
